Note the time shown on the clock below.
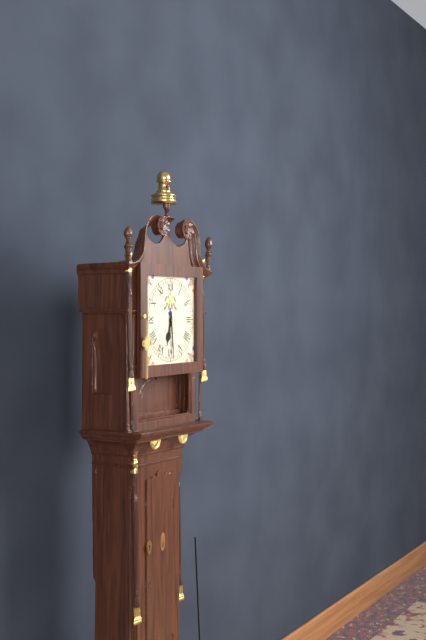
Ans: 6:29
